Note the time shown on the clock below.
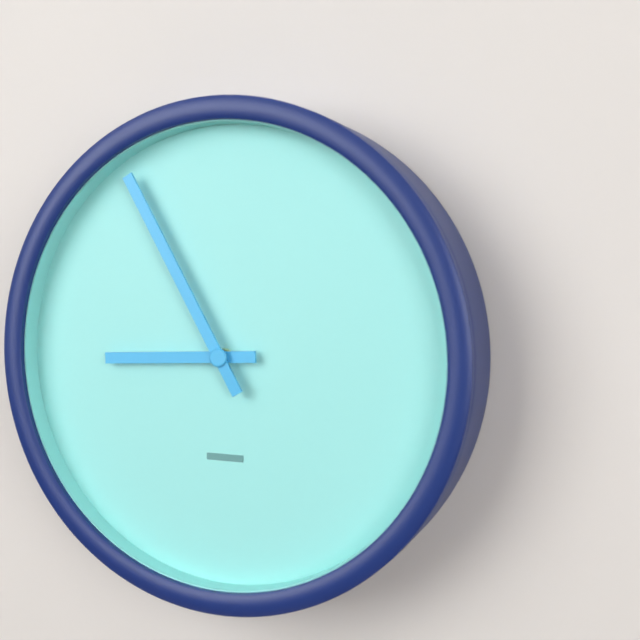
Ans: 8:55
